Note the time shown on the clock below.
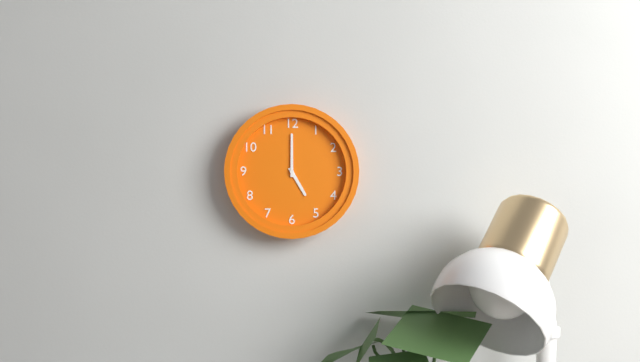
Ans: 5:00
